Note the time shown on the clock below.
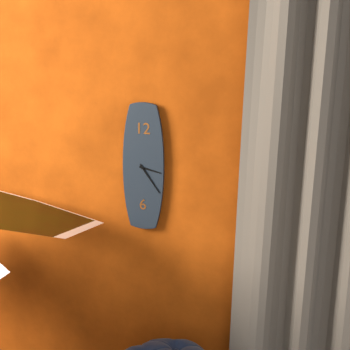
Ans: 3:24
